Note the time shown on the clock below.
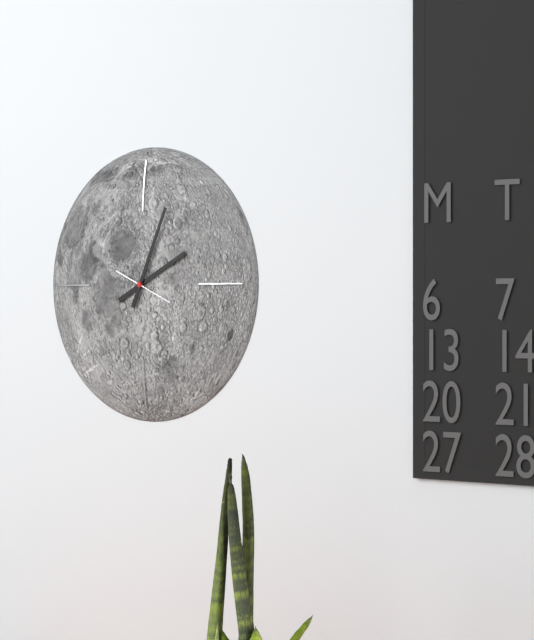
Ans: 2:04
